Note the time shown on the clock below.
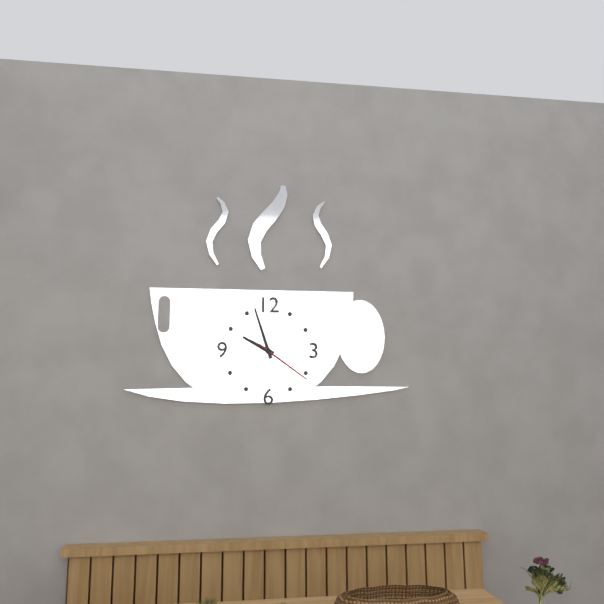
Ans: 9:57:21
